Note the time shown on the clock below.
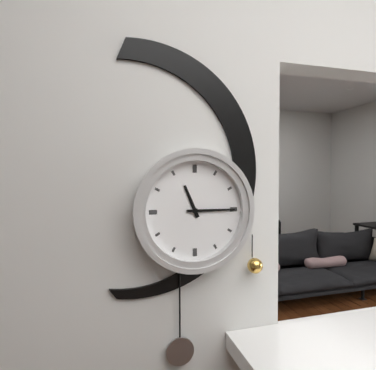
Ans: 11:15
